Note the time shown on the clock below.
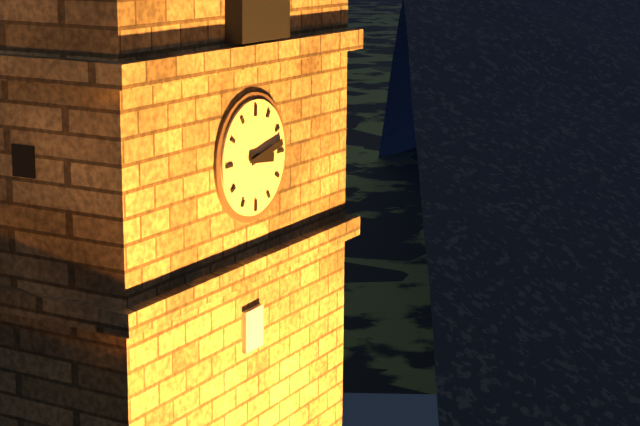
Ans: 3:13
